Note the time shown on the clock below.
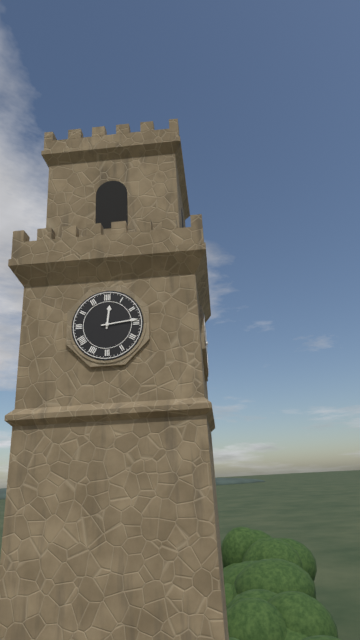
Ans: 12:14
